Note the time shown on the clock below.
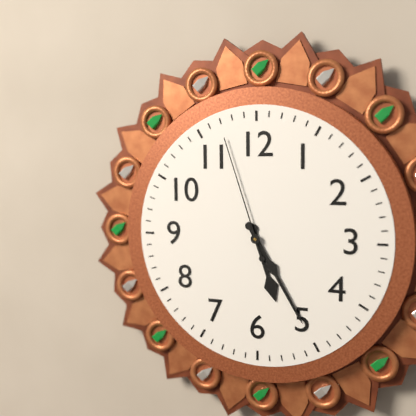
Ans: 5:25:57
